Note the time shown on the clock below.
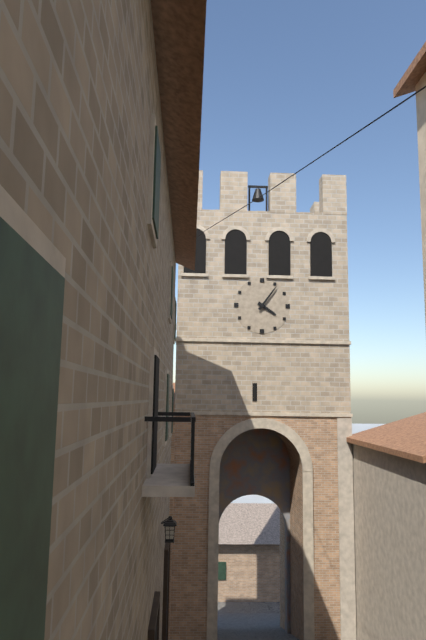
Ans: 4:06
